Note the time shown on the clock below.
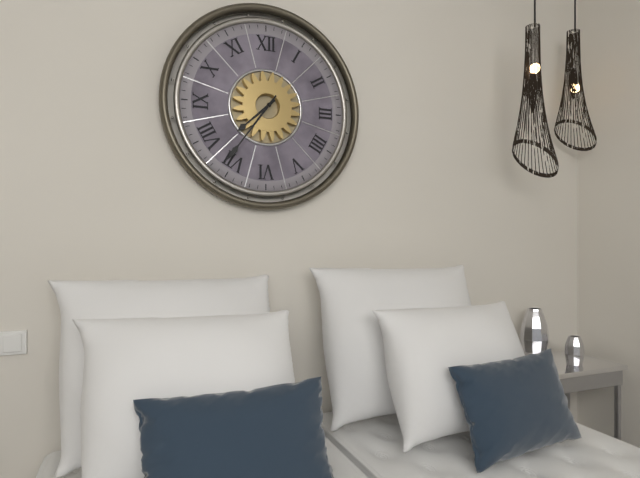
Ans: 7:36
